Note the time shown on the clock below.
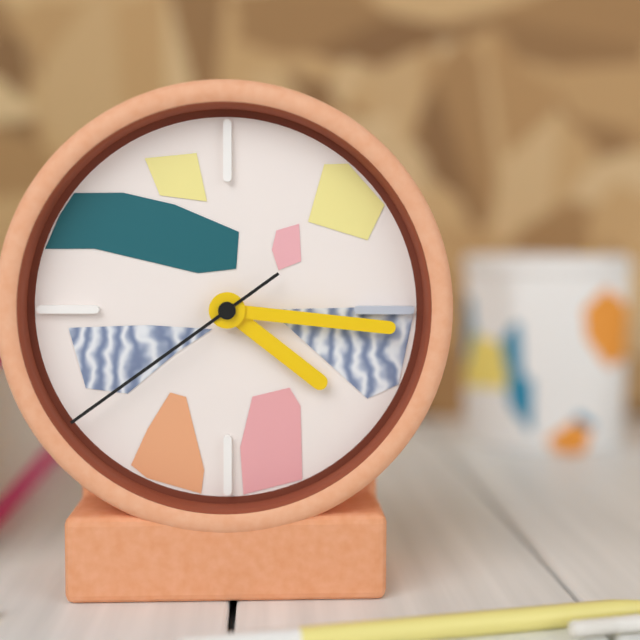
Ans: 4:16:39
